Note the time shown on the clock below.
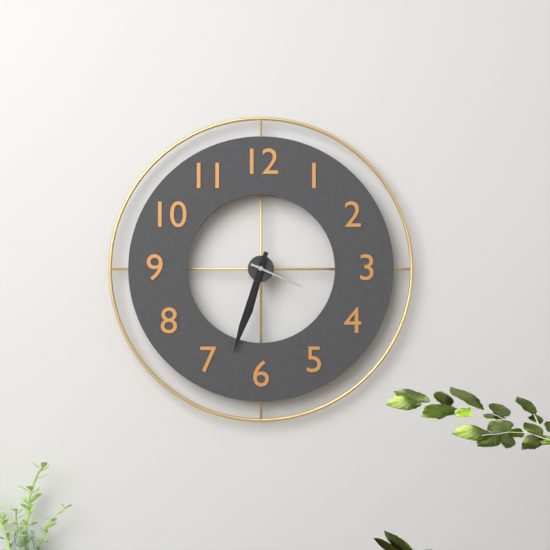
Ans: 6:33:19
